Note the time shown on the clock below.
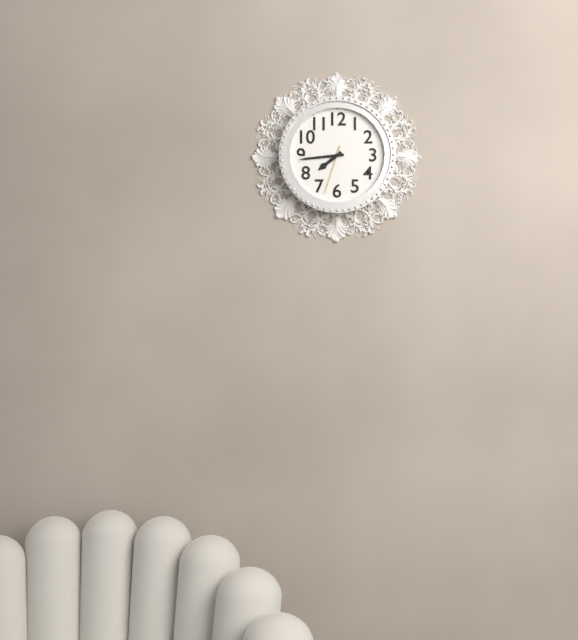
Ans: 7:44:33
